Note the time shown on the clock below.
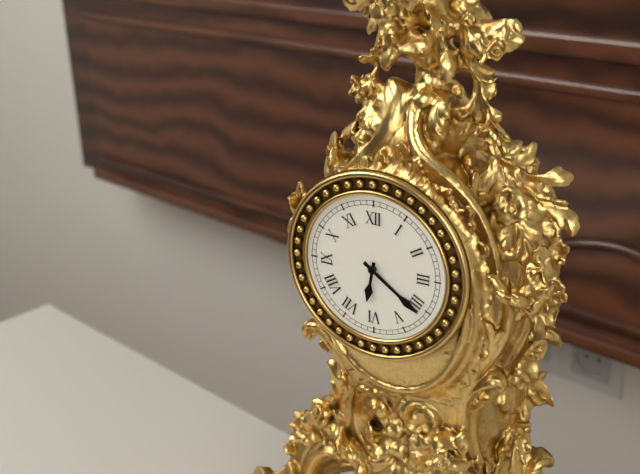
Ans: 6:21
